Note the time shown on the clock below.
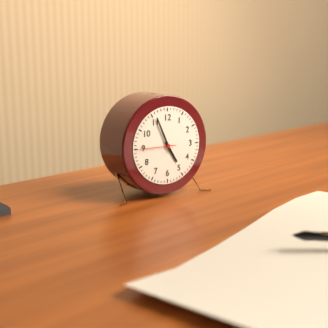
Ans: 4:56
